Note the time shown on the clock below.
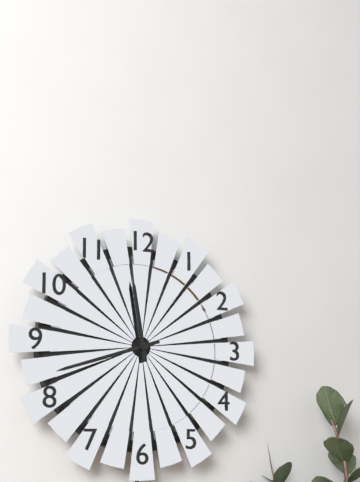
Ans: 11:42
